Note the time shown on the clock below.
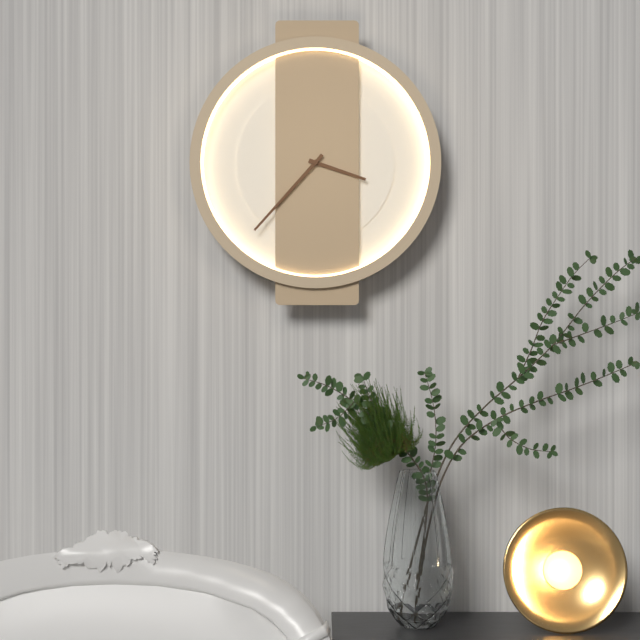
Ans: 3:37
